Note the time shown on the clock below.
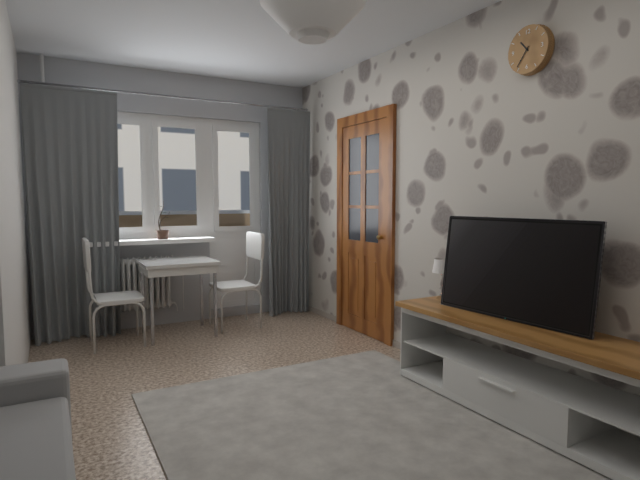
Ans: 10:36
